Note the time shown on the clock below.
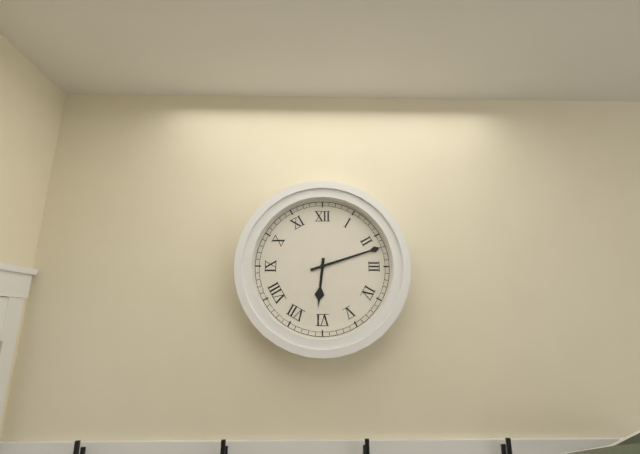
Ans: 6:12
